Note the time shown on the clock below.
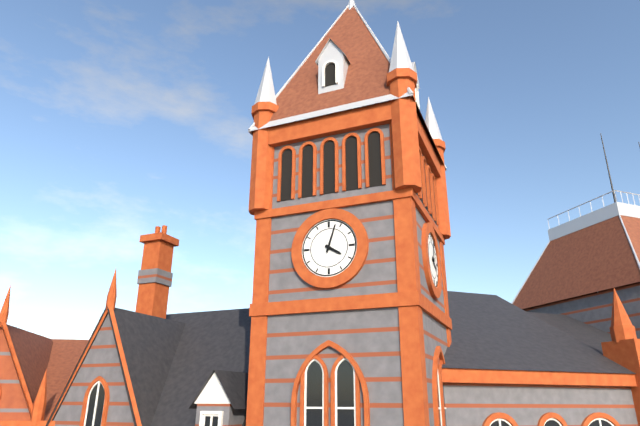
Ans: 4:03
